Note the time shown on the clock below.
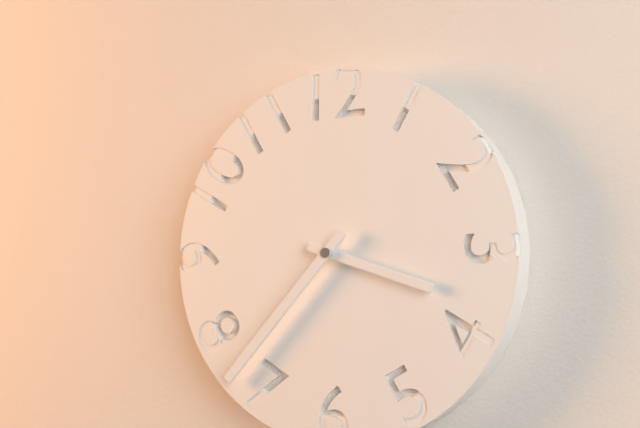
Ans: 3:37
